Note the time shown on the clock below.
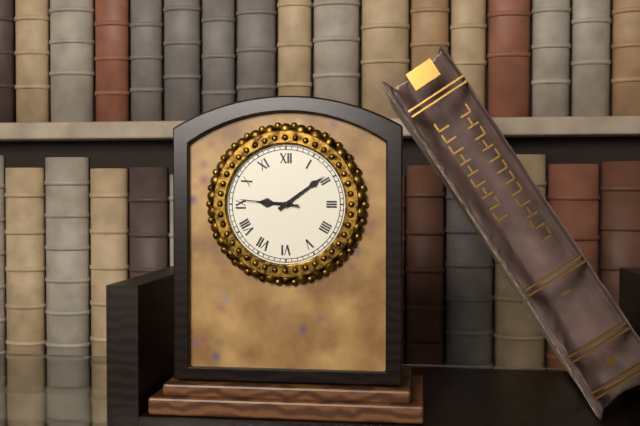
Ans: 9:09:46
